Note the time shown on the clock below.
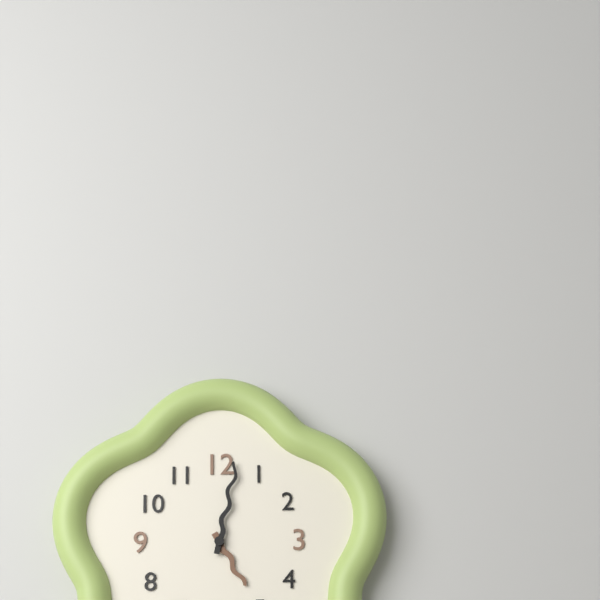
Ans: 5:02
